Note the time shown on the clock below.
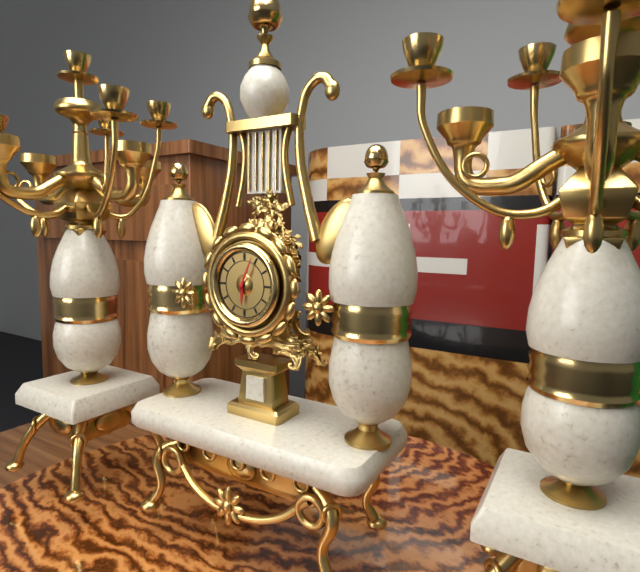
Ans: 6:04
